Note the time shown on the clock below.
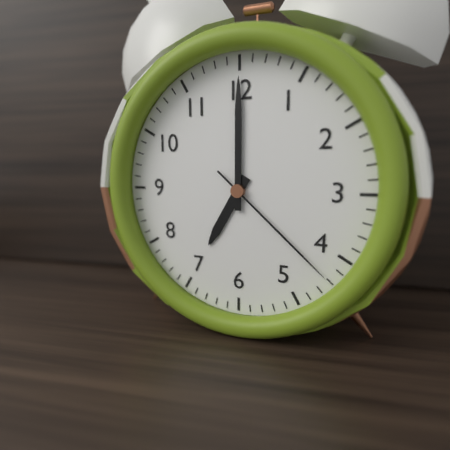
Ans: 7:00:22
